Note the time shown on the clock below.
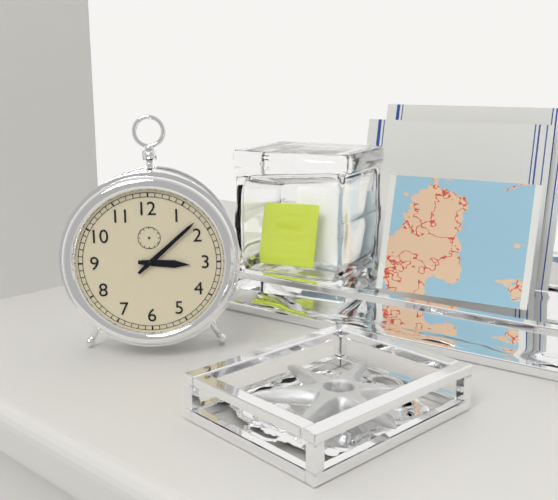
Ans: 3:08
